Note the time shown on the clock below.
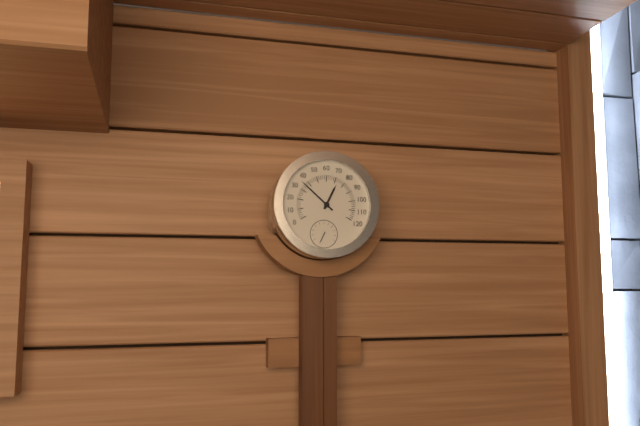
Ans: 12:52
